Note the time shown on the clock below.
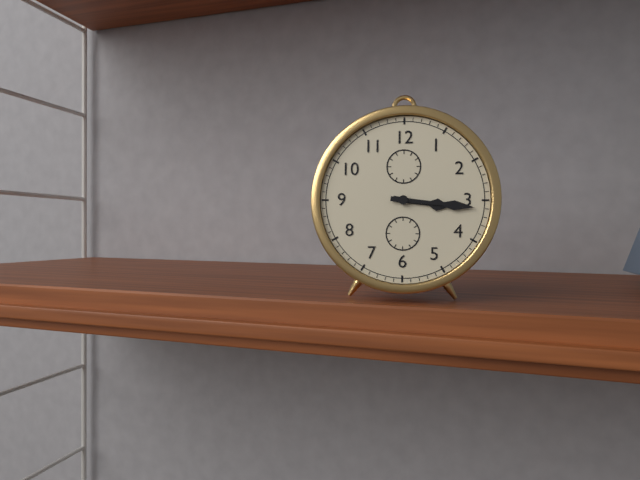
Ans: 3:16
